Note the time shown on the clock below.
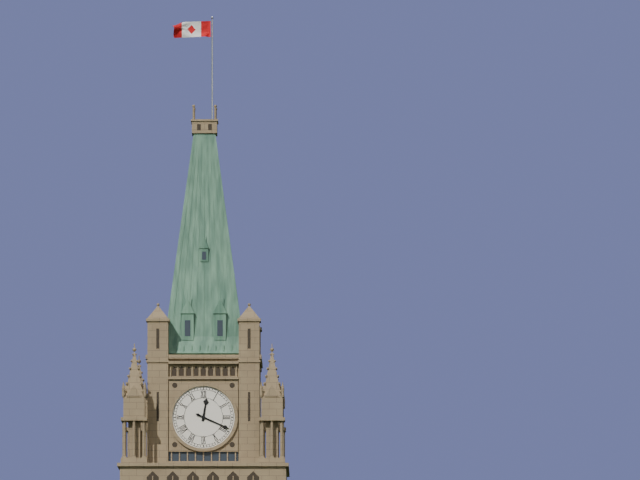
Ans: 12:19
